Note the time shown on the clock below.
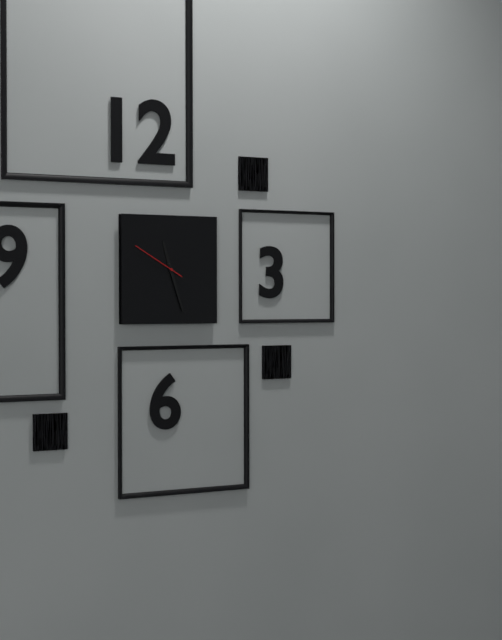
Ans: 11:27:50
